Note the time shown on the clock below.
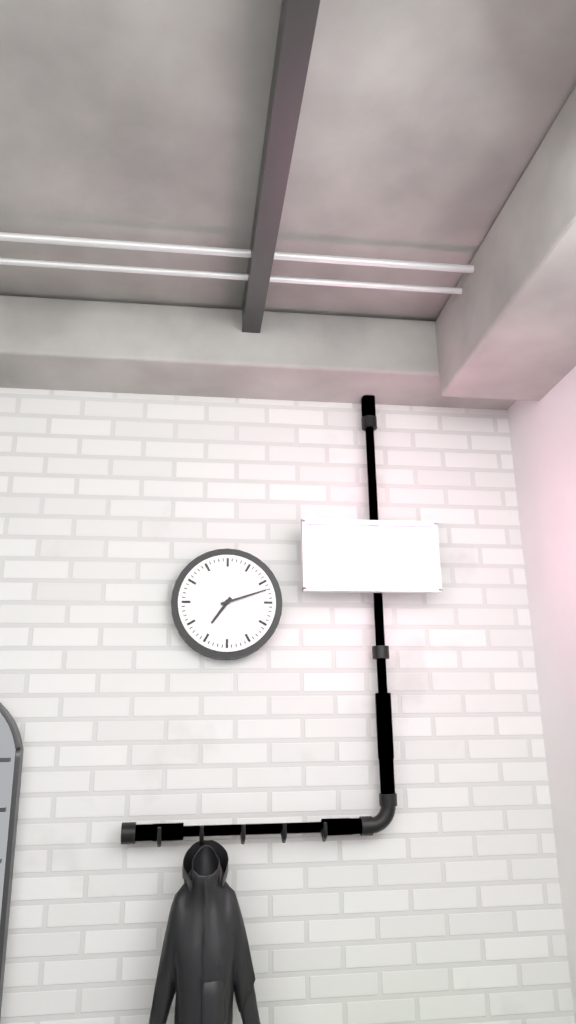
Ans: 7:12
